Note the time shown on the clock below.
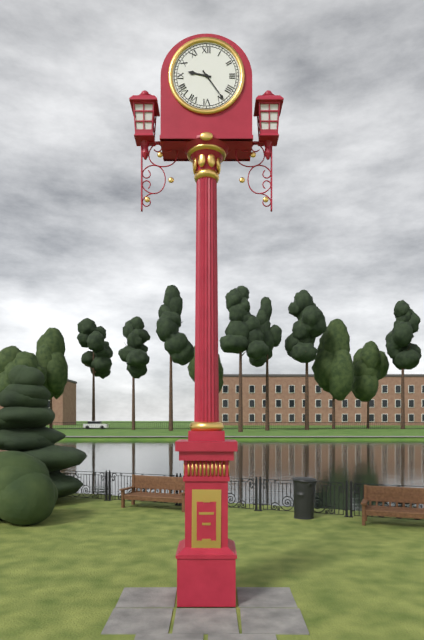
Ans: 9:24
